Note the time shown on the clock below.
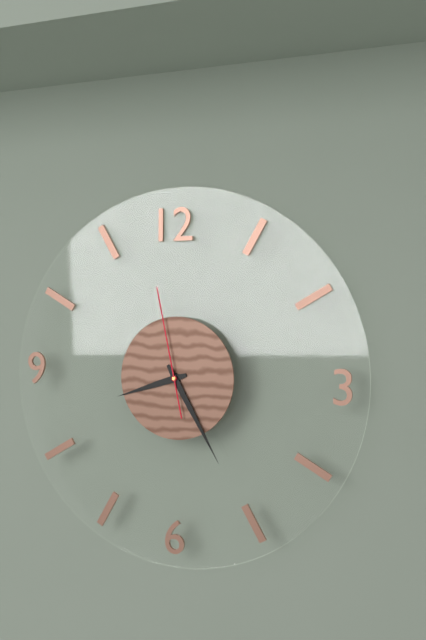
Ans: 8:25:58
